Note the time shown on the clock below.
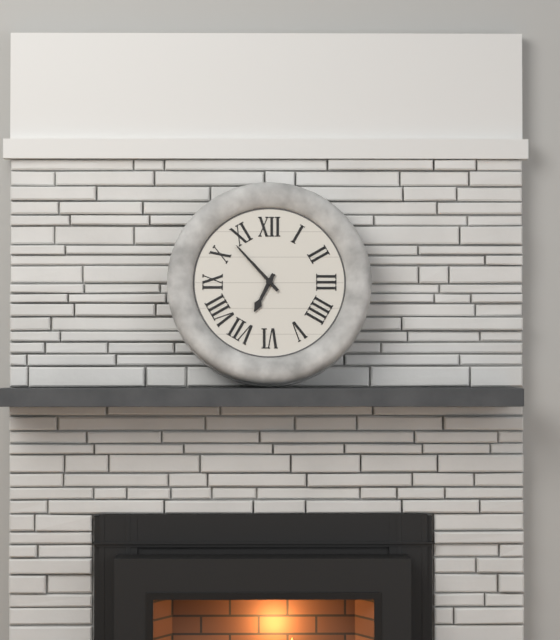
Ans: 6:53
